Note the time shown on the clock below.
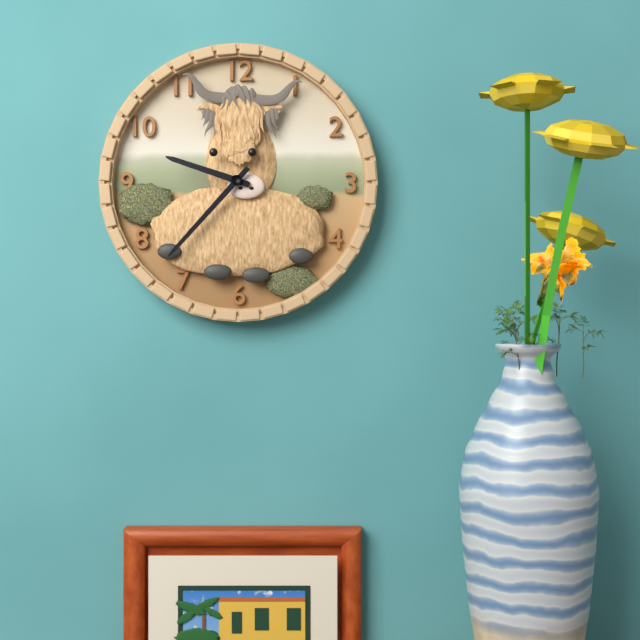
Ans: 9:37
